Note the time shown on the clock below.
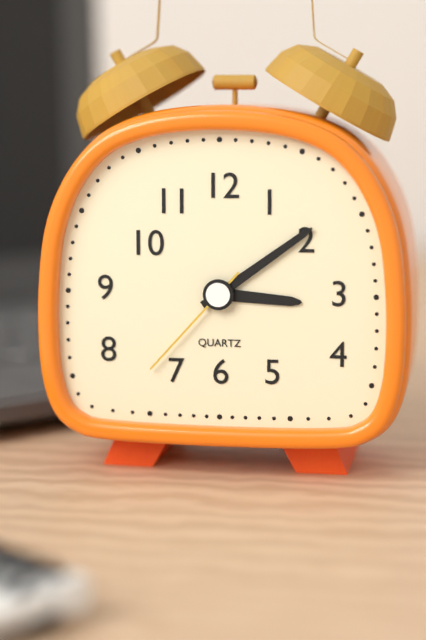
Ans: 3:09:37
